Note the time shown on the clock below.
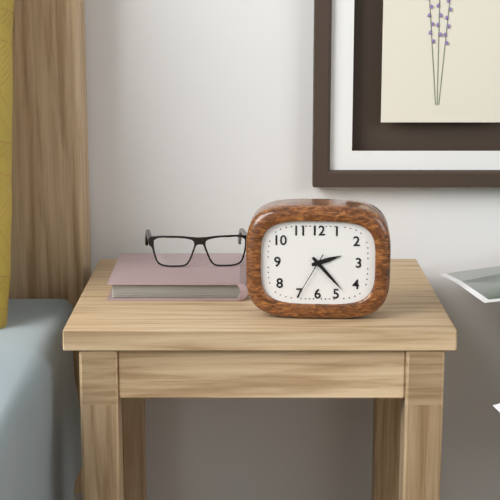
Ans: 2:23
